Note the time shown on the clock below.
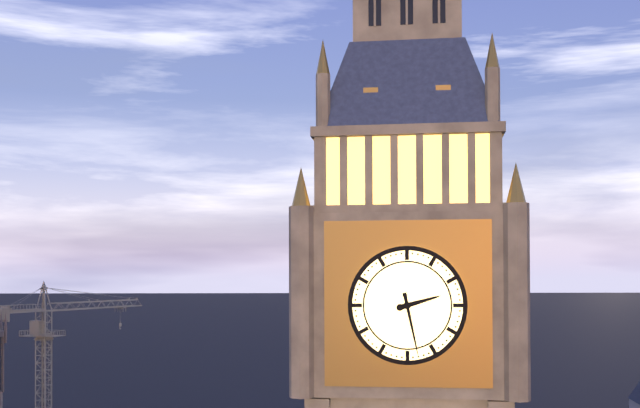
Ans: 2:28
